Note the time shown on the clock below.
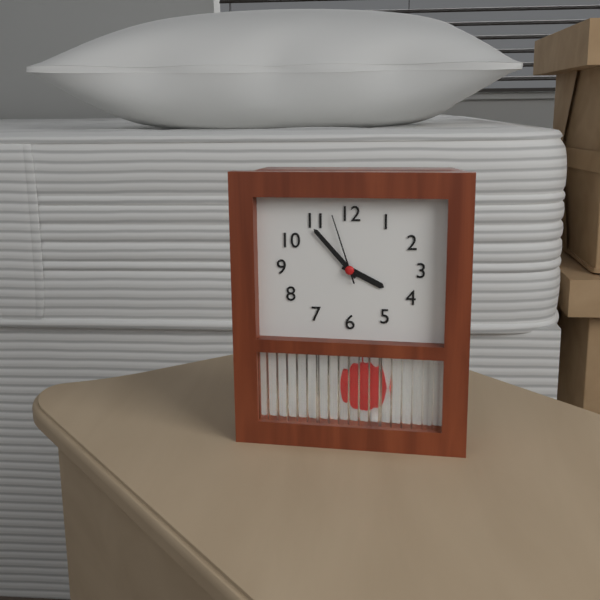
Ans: 3:53:57
